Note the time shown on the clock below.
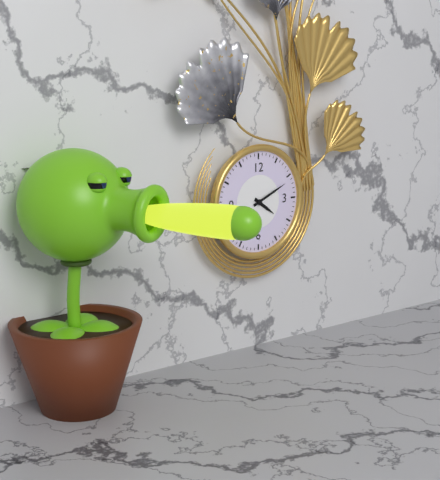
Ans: 4:11
